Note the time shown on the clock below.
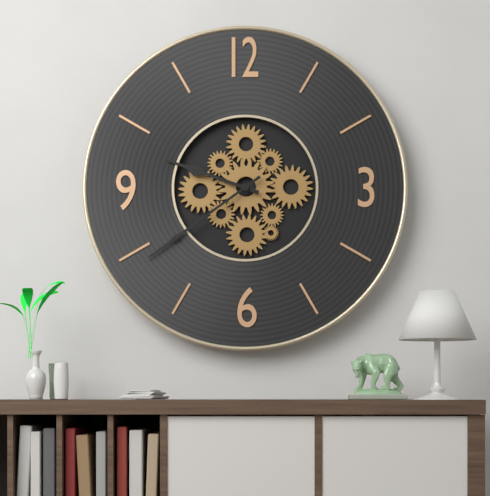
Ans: 9:39
